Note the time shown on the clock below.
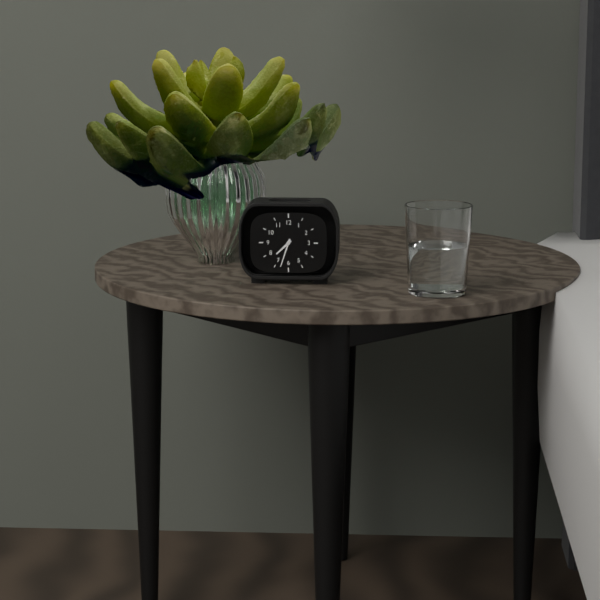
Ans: 7:33
